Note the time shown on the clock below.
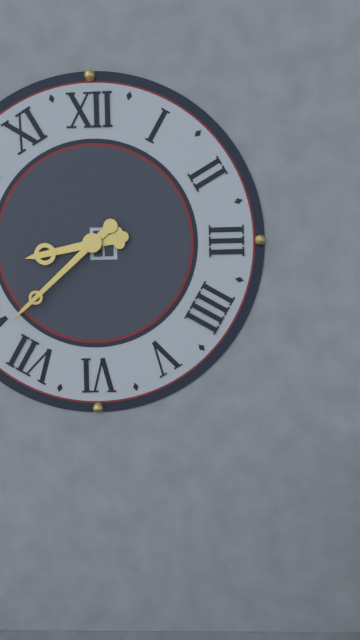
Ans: 8:38
